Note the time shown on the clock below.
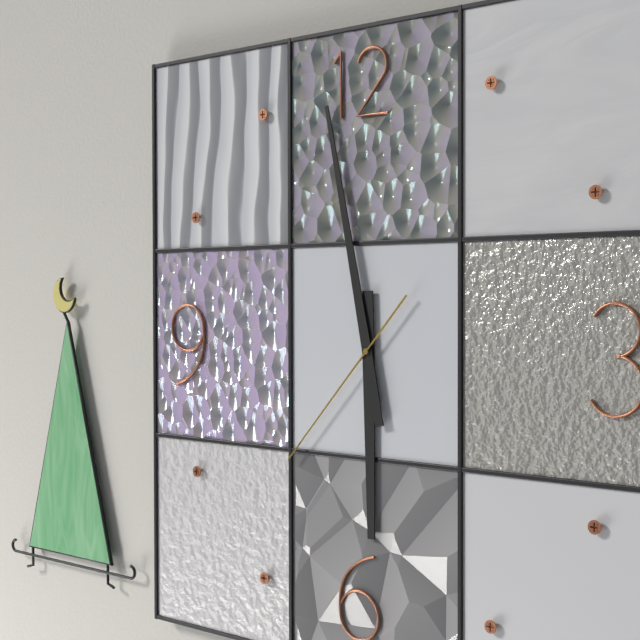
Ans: 5:58:37
